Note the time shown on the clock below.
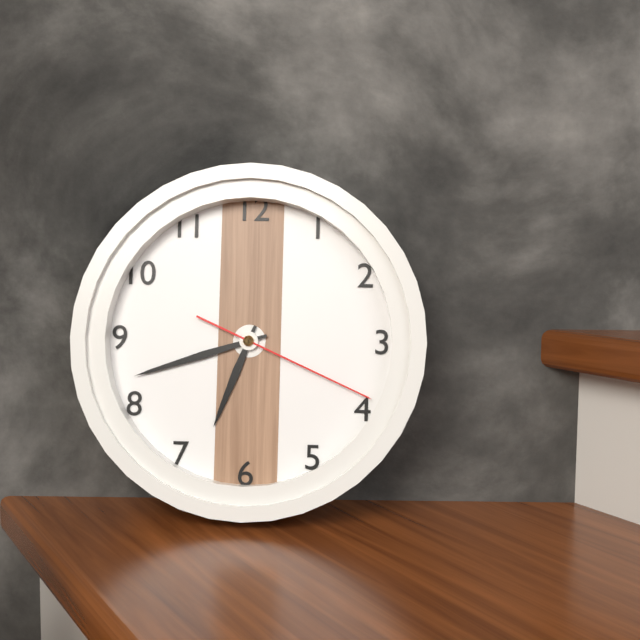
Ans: 6:42:19
